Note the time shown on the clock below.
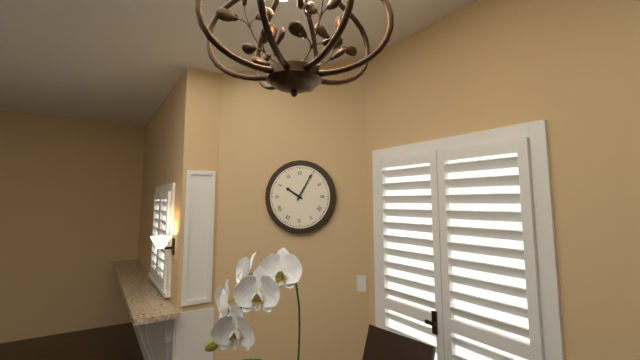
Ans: 10:05
